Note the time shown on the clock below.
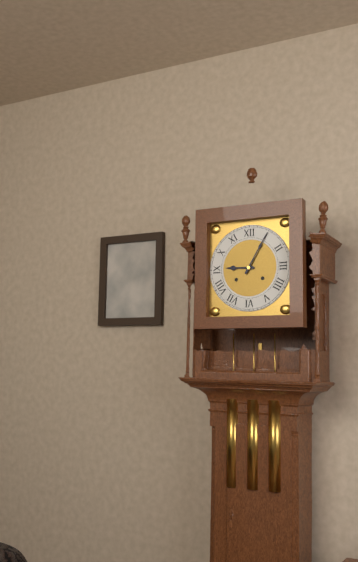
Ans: 9:05
